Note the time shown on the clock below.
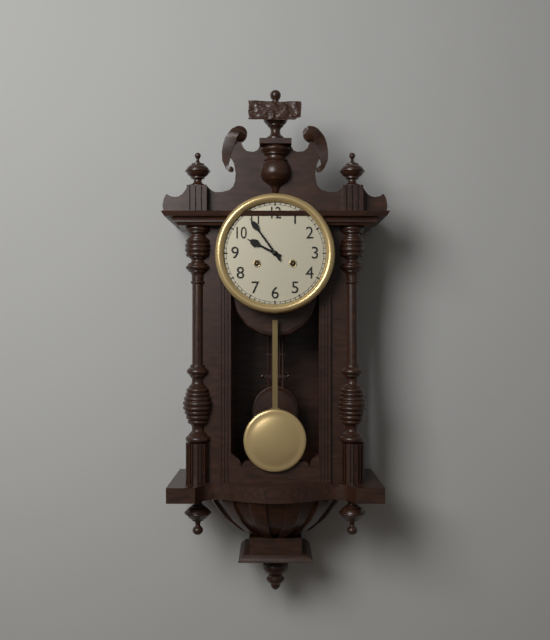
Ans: 9:54
